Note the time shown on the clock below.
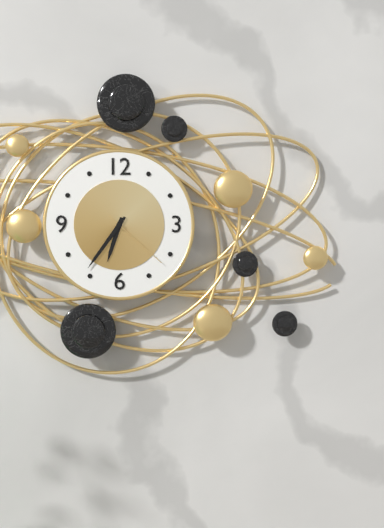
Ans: 6:36:22
